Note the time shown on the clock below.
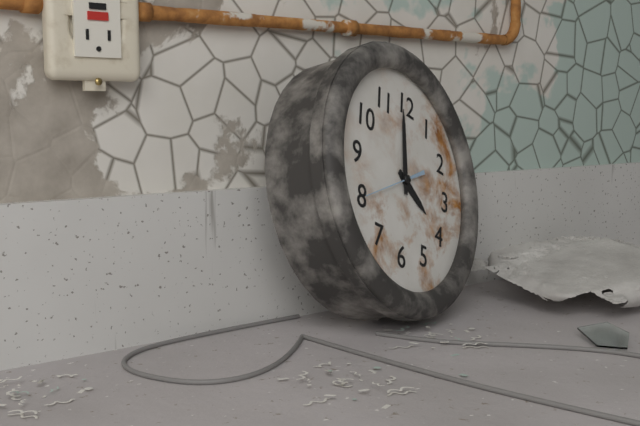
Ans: 3:59:40
